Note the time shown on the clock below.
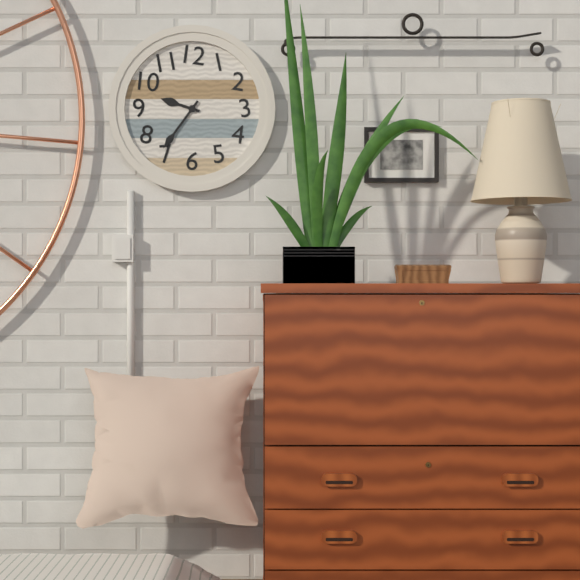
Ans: 9:36
